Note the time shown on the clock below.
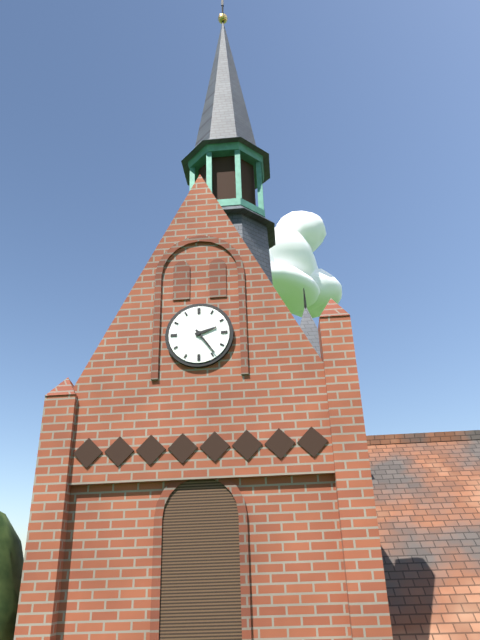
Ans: 2:24
